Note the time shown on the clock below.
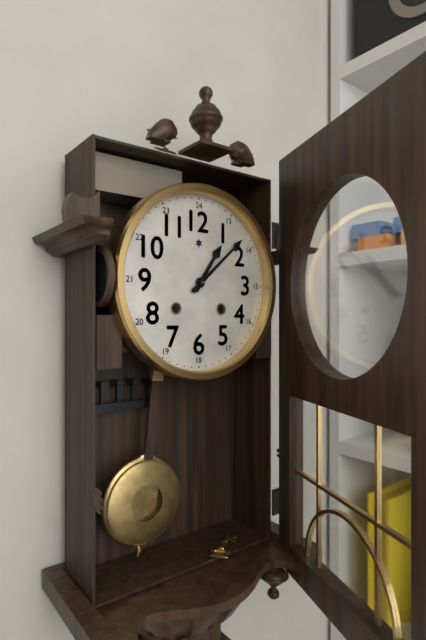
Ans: 1:08
